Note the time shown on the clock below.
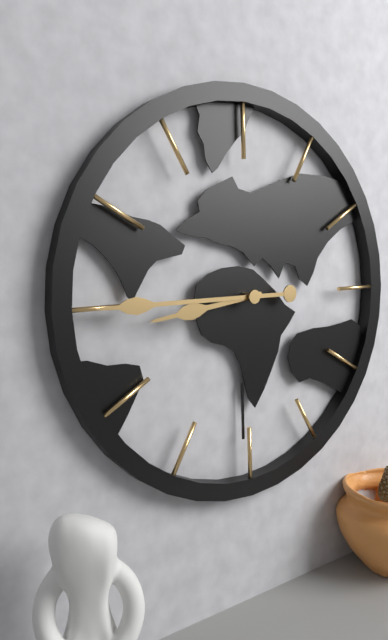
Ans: 8:45
